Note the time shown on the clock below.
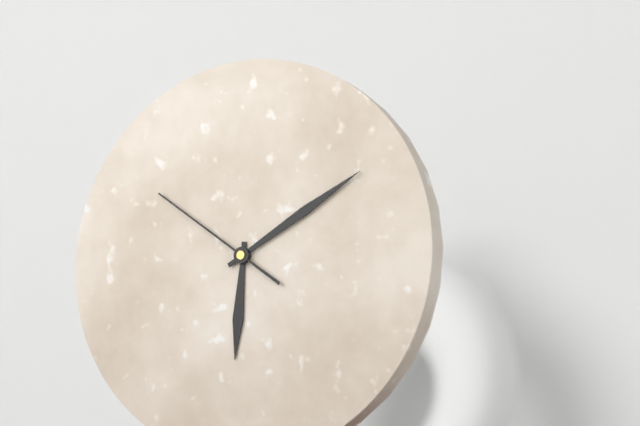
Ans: 6:10:51
